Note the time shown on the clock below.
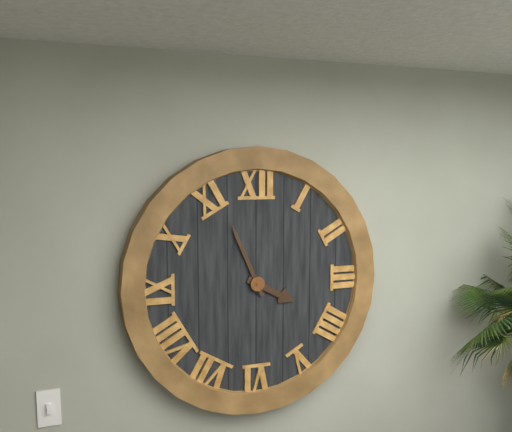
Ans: 3:56
